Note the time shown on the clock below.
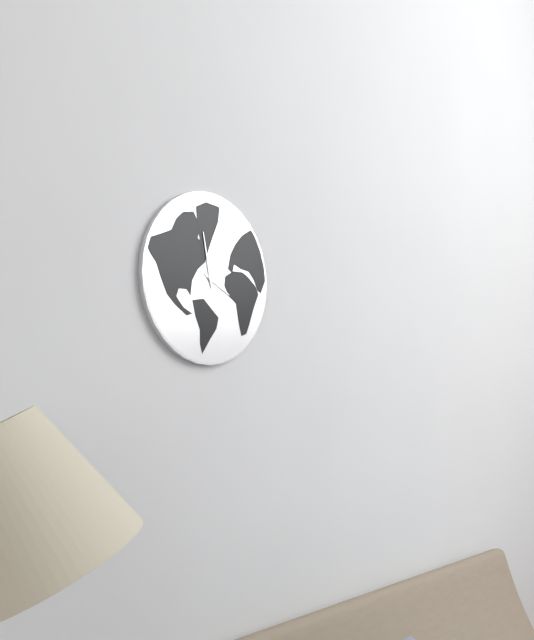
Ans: 3:58
